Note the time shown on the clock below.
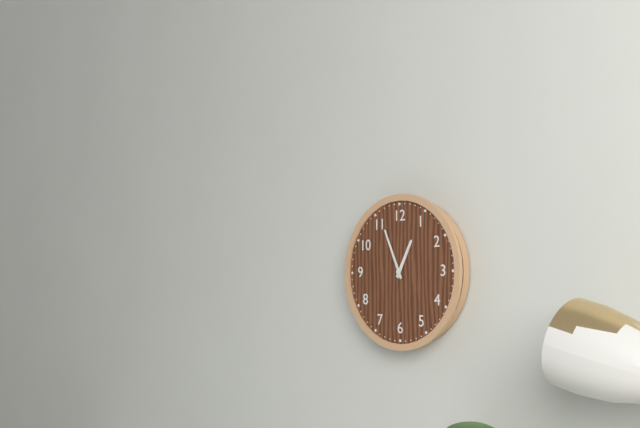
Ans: 12:56
